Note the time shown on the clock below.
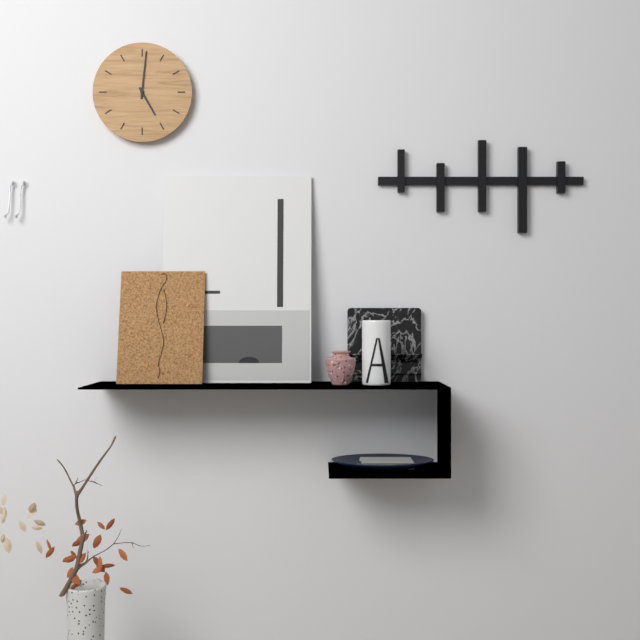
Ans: 5:01
